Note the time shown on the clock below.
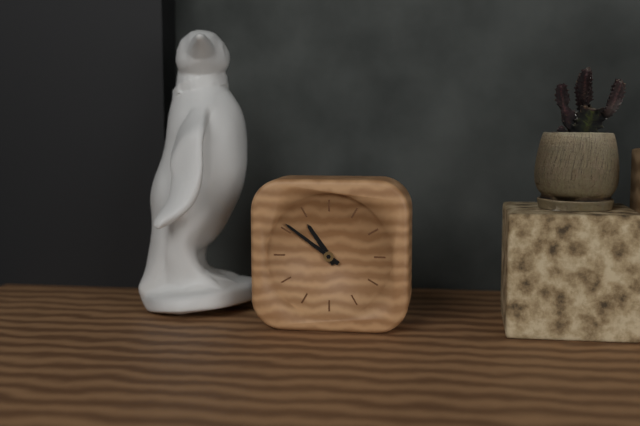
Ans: 10:51
